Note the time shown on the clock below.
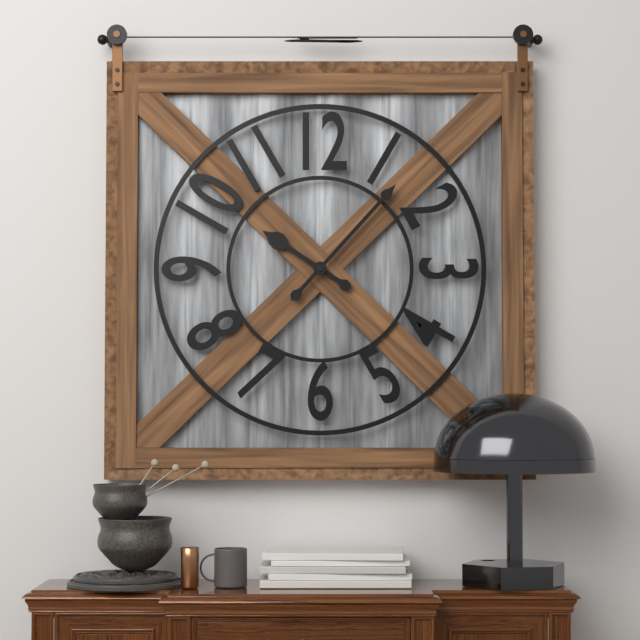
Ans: 10:07
